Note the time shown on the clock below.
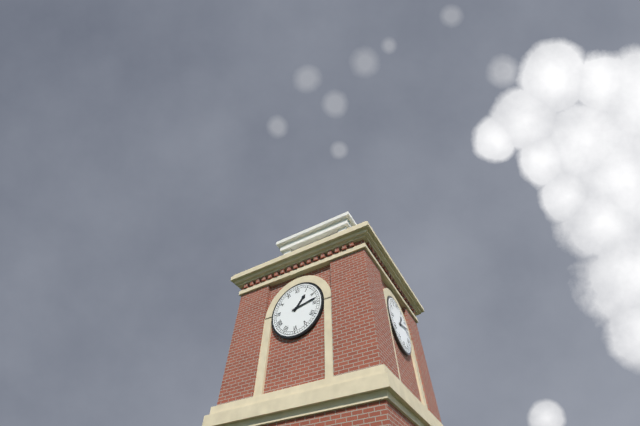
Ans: 1:13
